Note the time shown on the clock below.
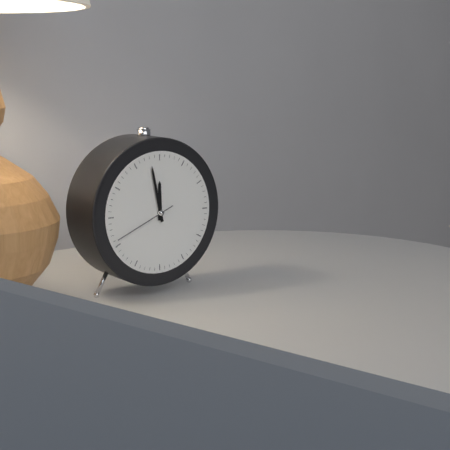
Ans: 11:58:41
